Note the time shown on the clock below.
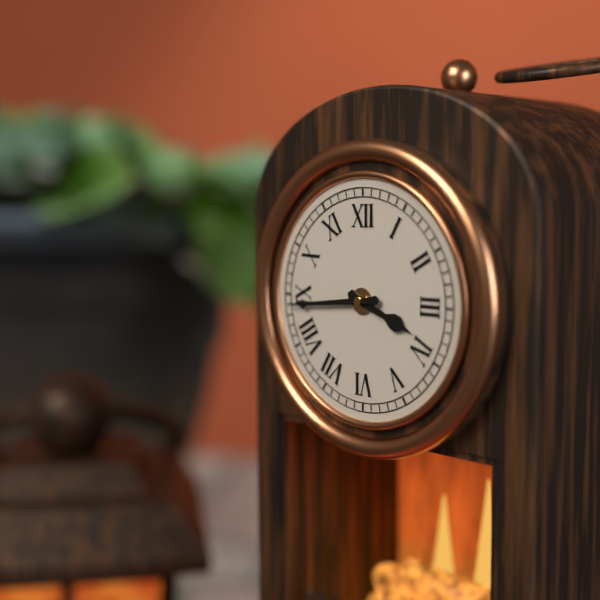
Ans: 3:44
